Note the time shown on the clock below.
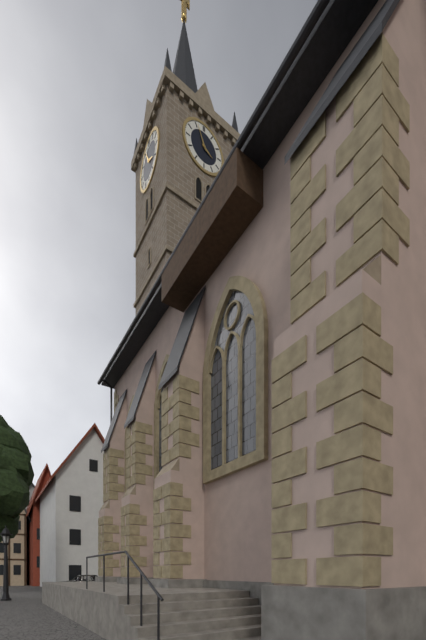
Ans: 3:56
